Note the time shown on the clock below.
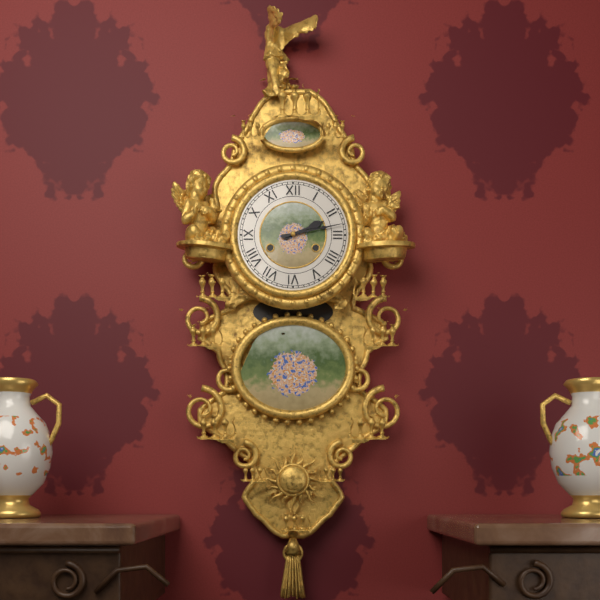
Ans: 2:13
